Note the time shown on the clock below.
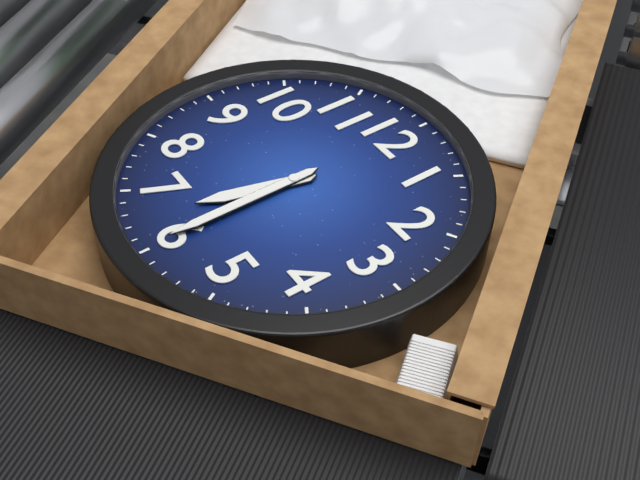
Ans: 6:30
